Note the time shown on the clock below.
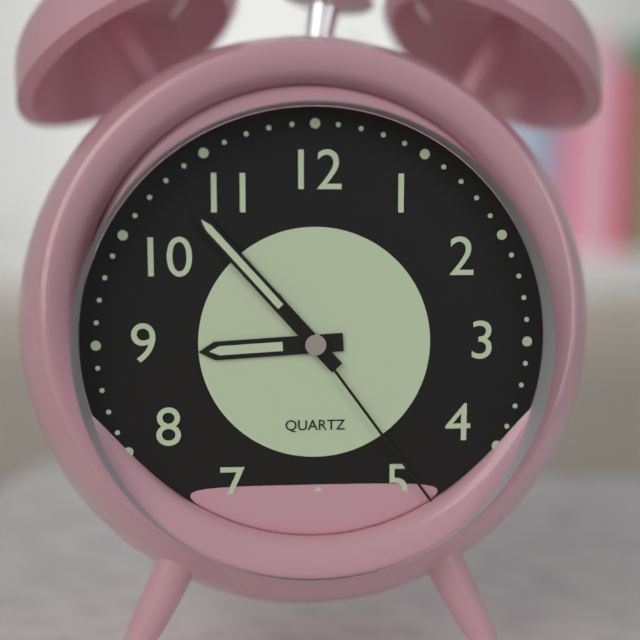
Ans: 8:53:24
